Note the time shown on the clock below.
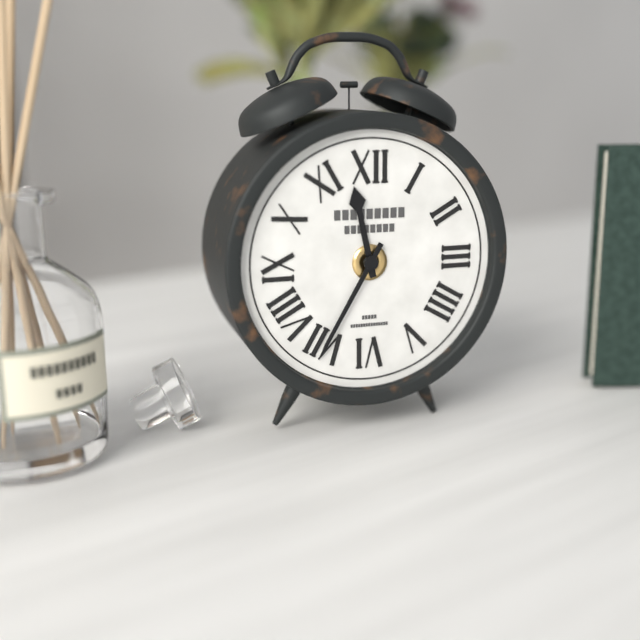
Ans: 11:35
